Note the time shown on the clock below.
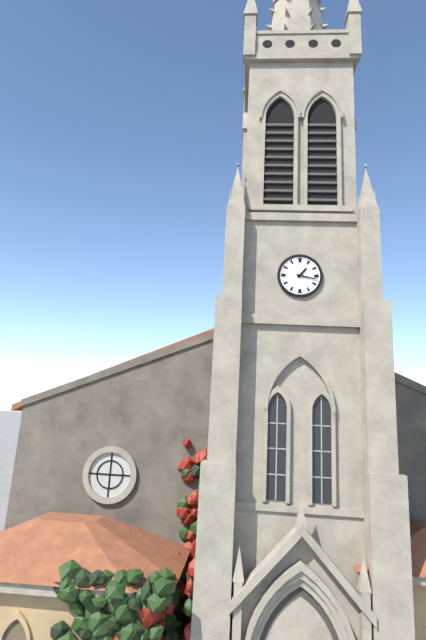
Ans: 1:17
